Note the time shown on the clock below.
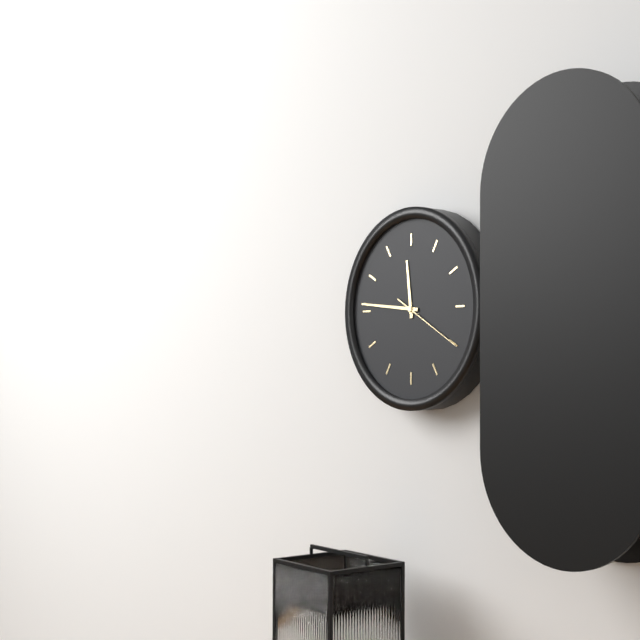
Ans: 11:46:20
